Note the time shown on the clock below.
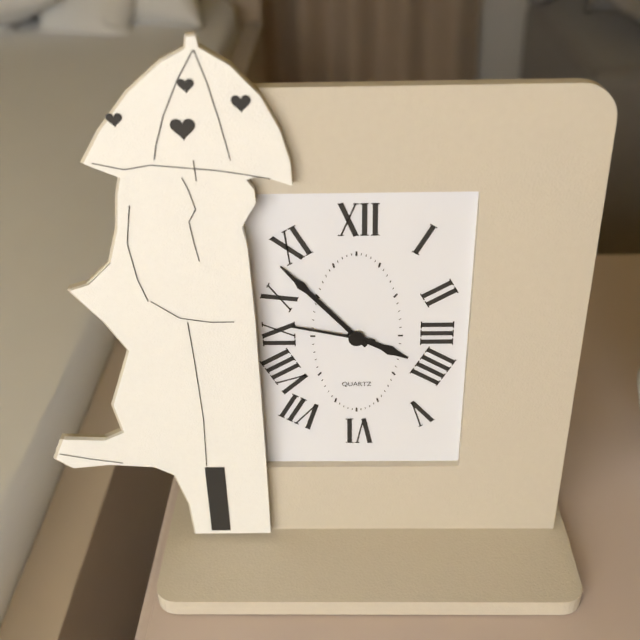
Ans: 3:53:47
